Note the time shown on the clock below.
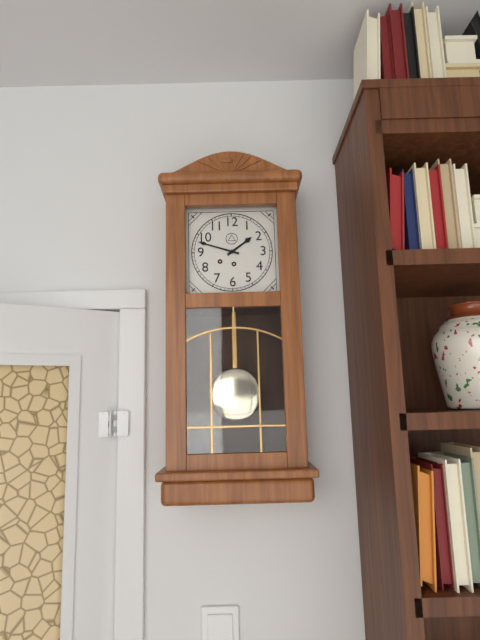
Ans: 1:48
